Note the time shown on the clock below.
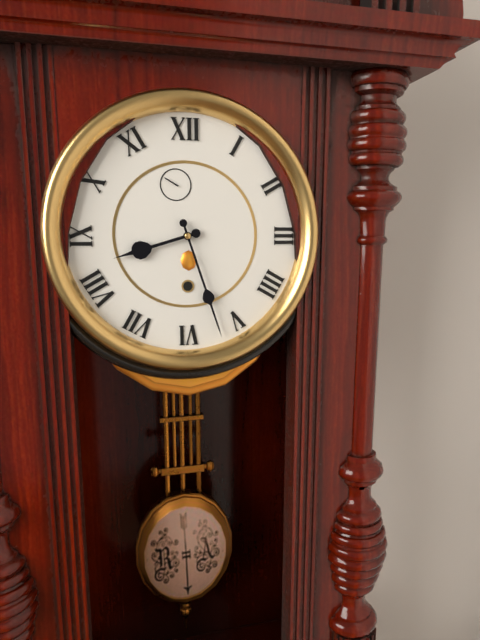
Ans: 8:27
